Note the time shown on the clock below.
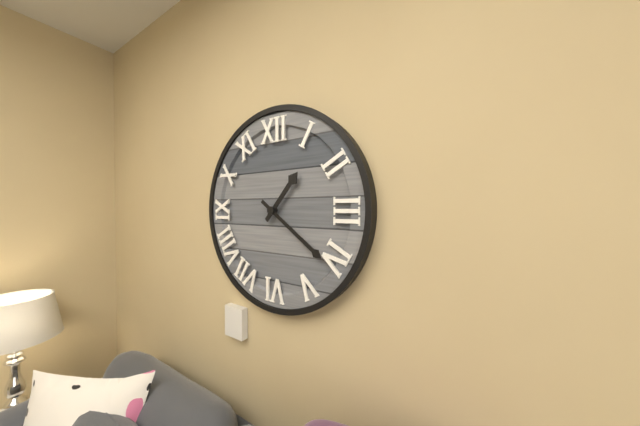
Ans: 1:21
